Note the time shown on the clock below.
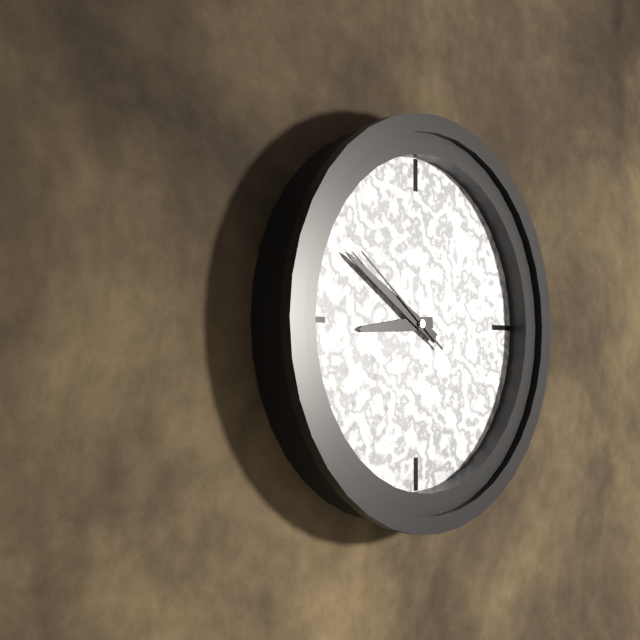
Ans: 8:50:51
